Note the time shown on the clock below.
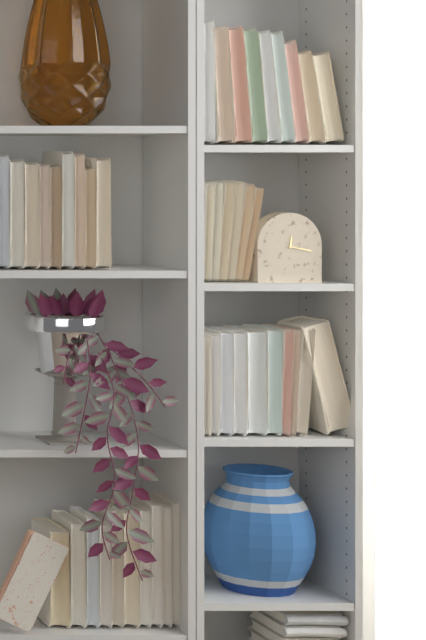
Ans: 12:17
